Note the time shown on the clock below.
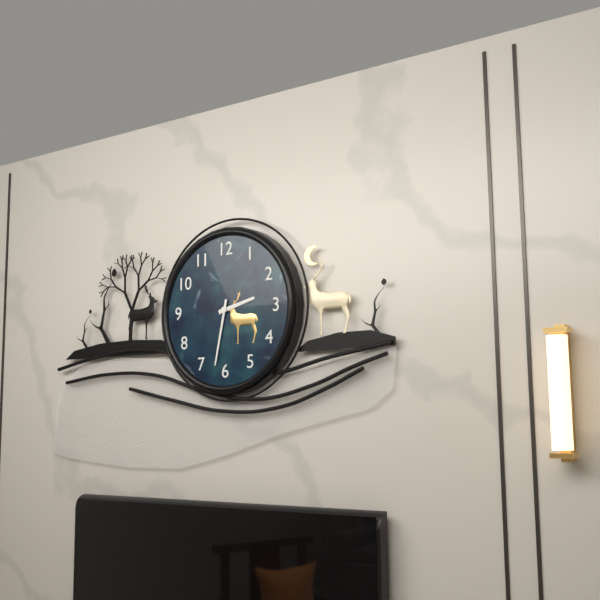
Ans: 2:32
